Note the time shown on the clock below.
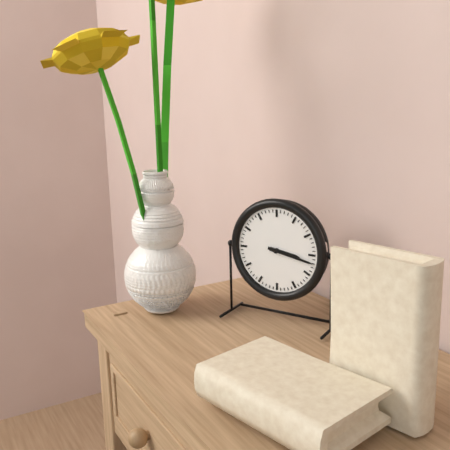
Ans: 3:17
